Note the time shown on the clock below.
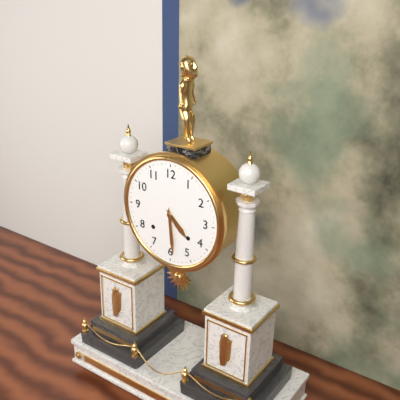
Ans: 4:29
